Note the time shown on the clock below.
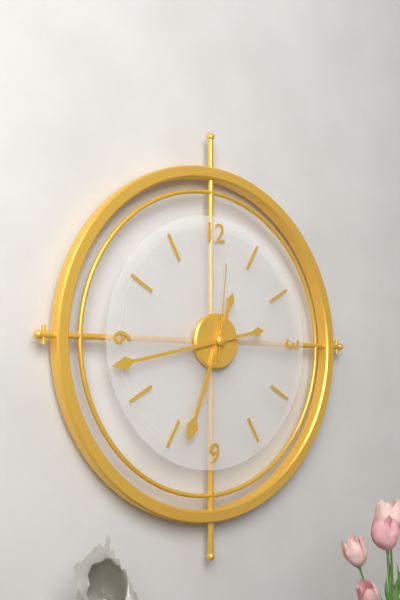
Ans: 6:43:01
